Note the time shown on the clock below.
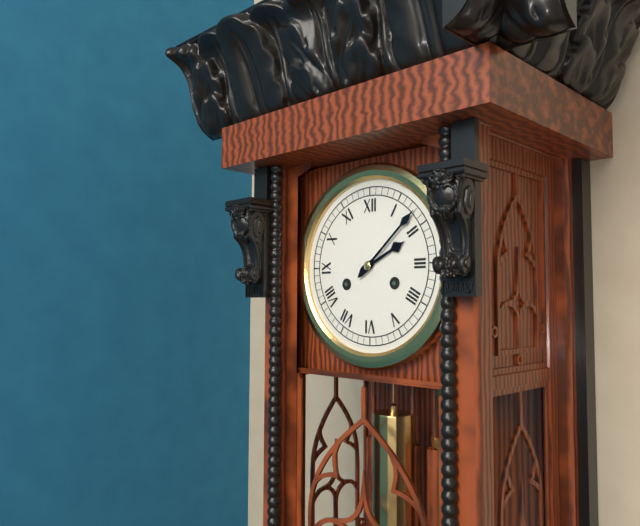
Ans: 2:08
